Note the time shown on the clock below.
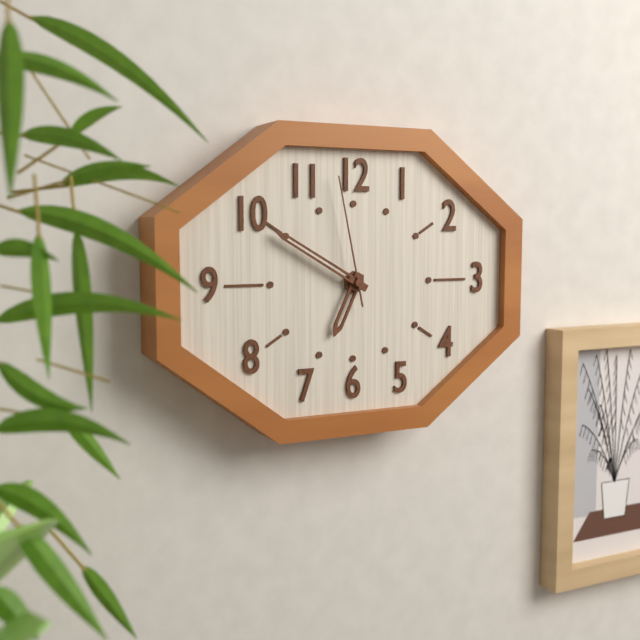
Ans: 6:50:58
